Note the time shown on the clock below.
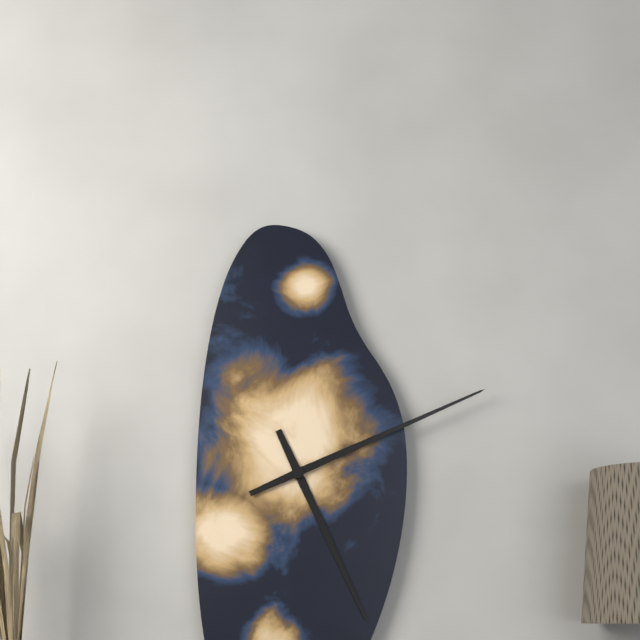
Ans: 5:11
